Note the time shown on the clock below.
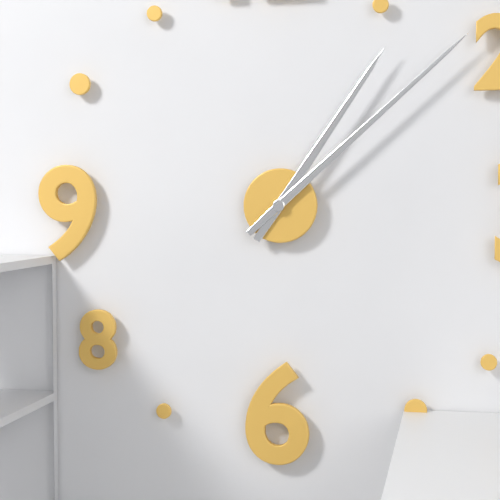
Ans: 1:08
